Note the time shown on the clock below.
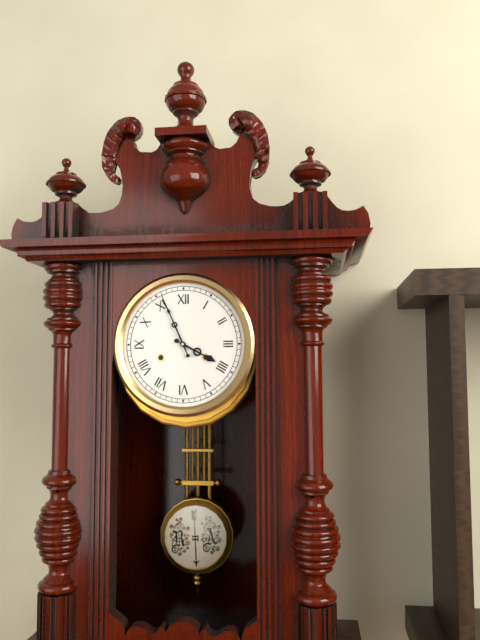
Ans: 3:56
